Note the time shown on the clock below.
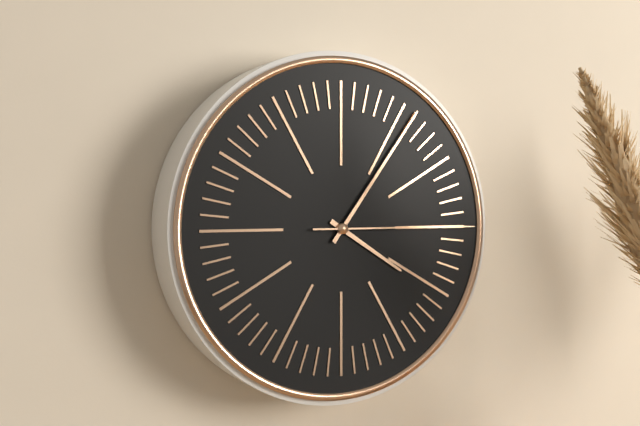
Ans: 4:06:15
